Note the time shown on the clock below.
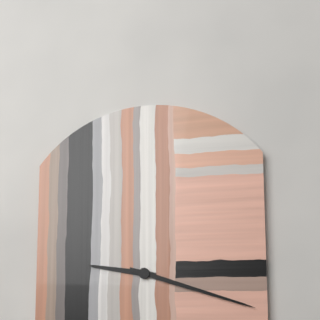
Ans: 9:18
